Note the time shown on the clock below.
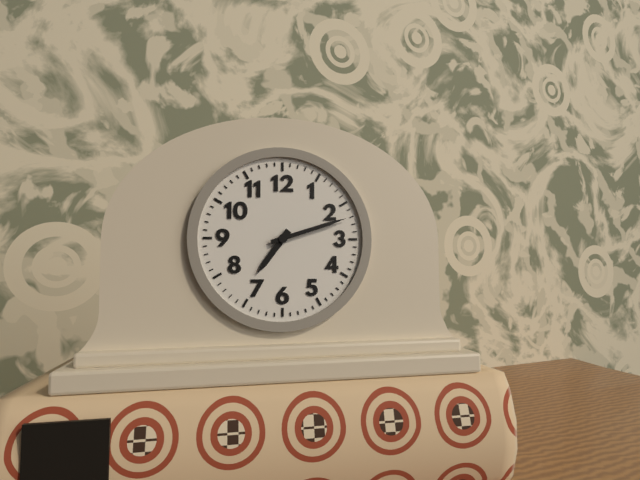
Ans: 7:12
